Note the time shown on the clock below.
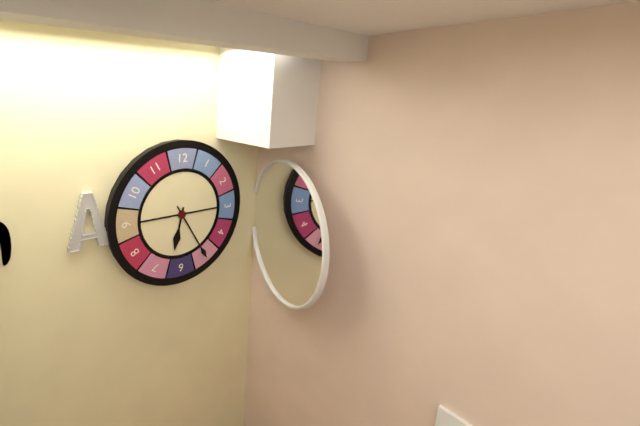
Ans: 6:25
